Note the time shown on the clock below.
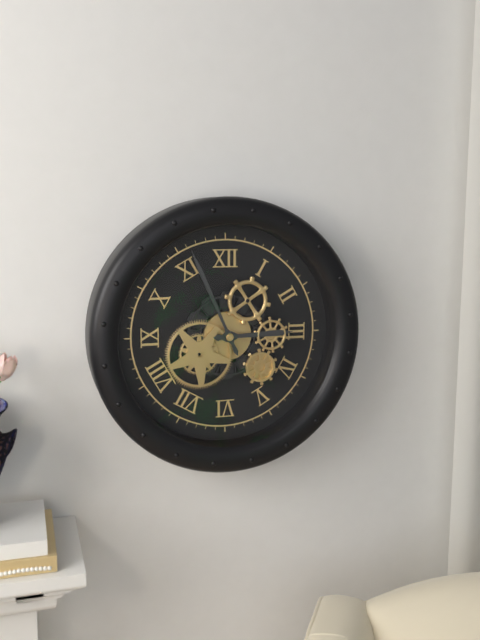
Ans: 2:56
